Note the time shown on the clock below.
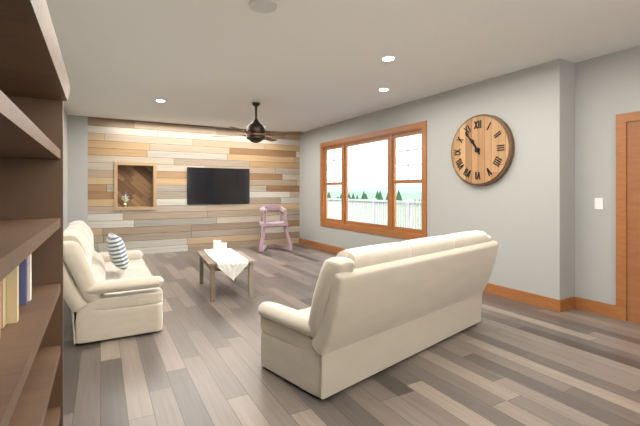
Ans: 10:54
